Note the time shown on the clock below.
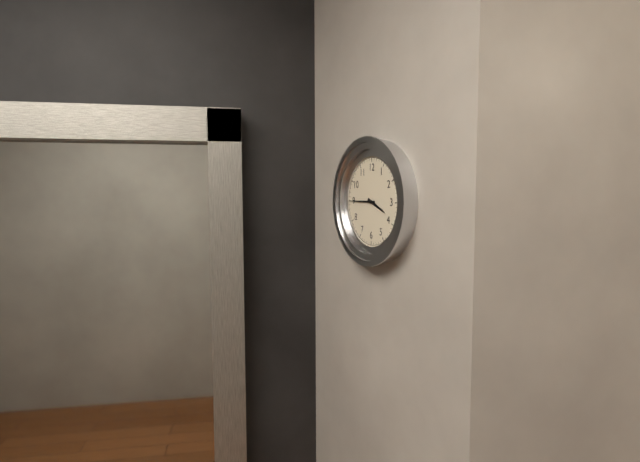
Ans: 3:45
